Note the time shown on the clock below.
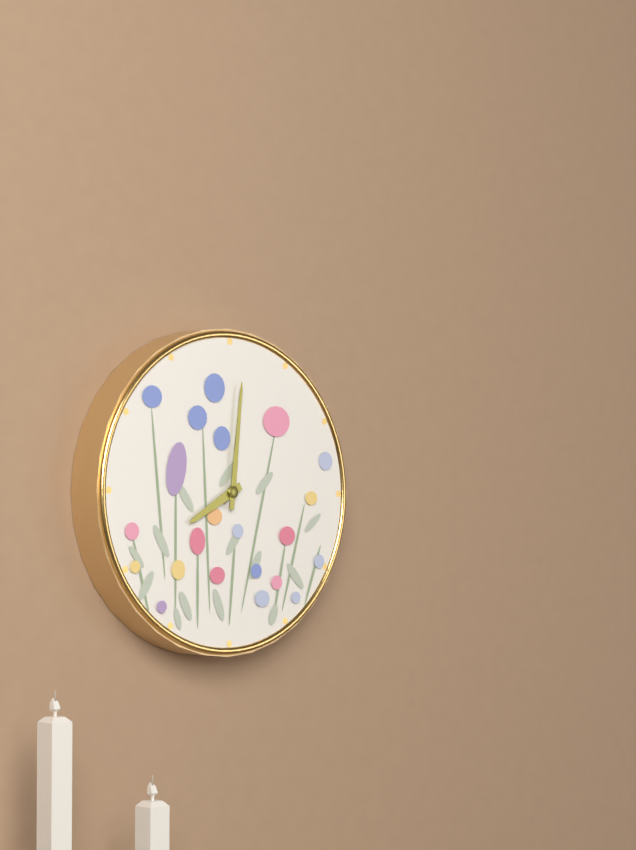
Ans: 8:01
